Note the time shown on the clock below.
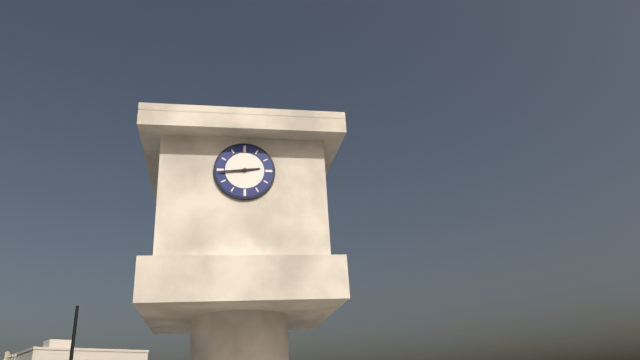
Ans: 2:44
